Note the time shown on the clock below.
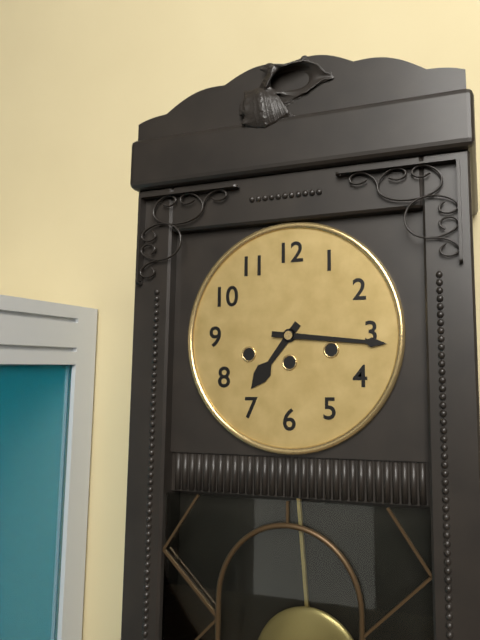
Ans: 7:16
